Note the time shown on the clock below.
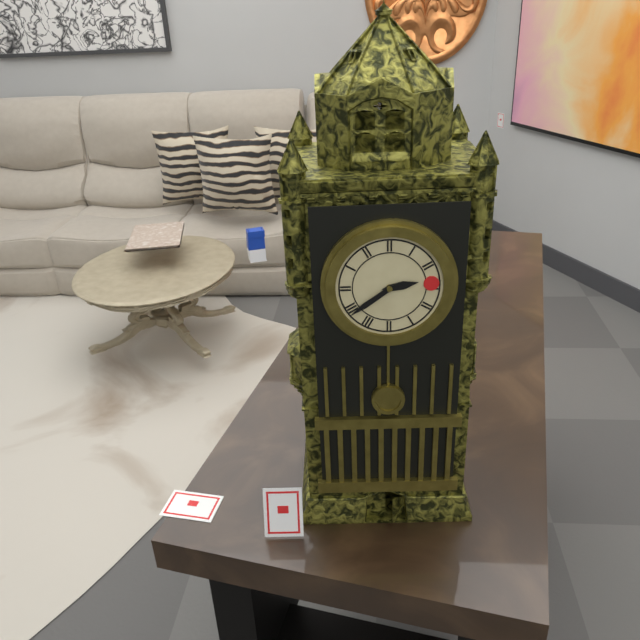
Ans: 2:39
